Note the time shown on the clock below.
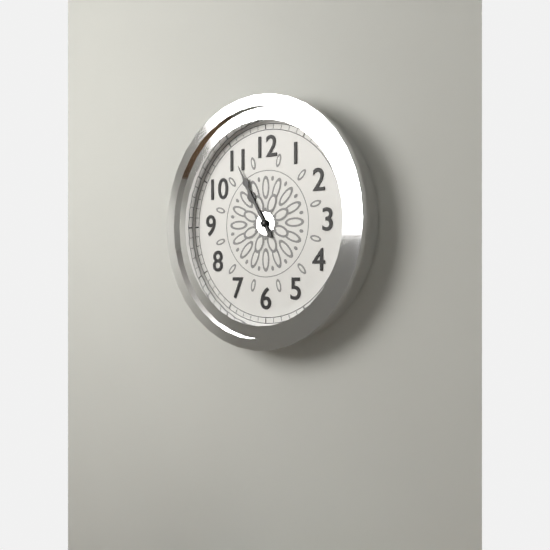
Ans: 10:55
